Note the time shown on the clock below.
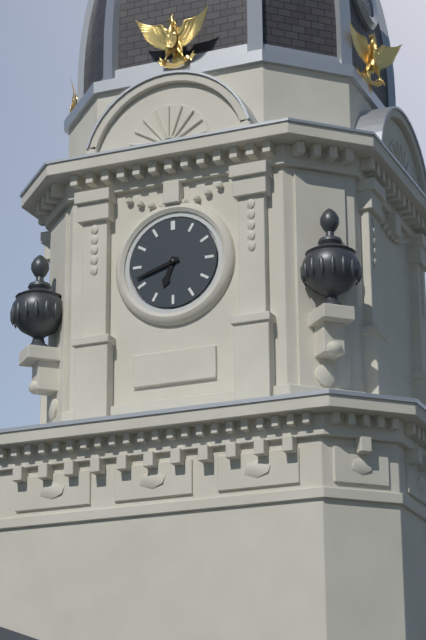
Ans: 6:42
